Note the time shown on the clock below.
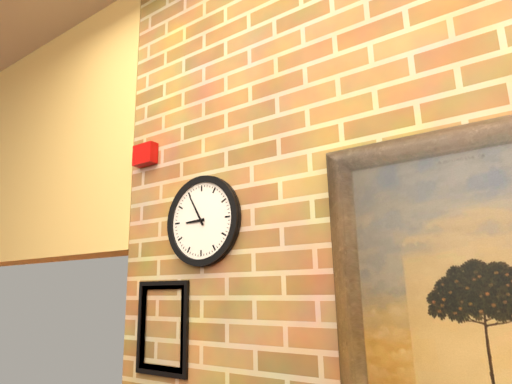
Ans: 8:55
